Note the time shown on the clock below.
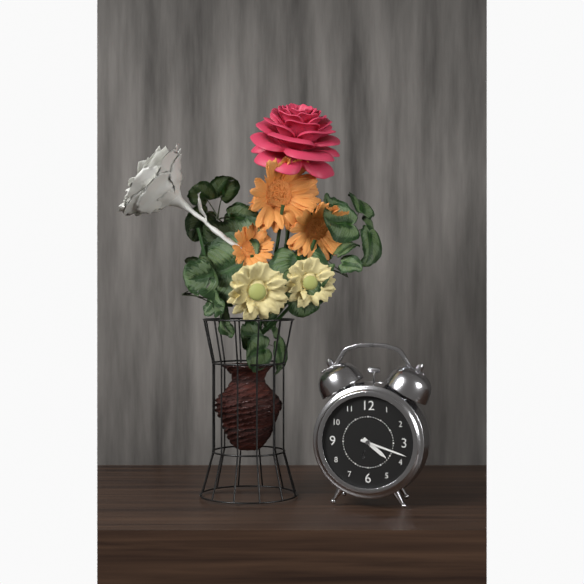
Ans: 4:18
